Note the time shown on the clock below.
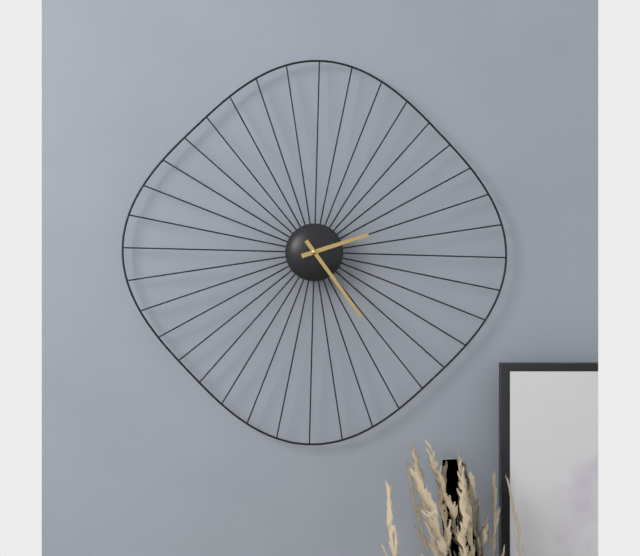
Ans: 2:24
